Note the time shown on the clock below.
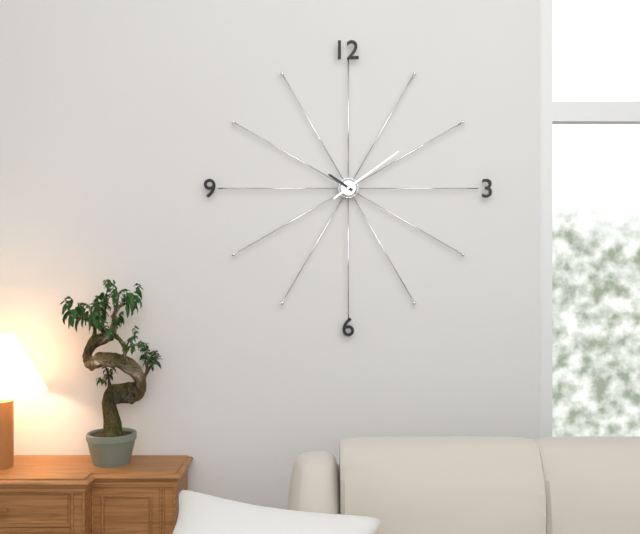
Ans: 10:09
